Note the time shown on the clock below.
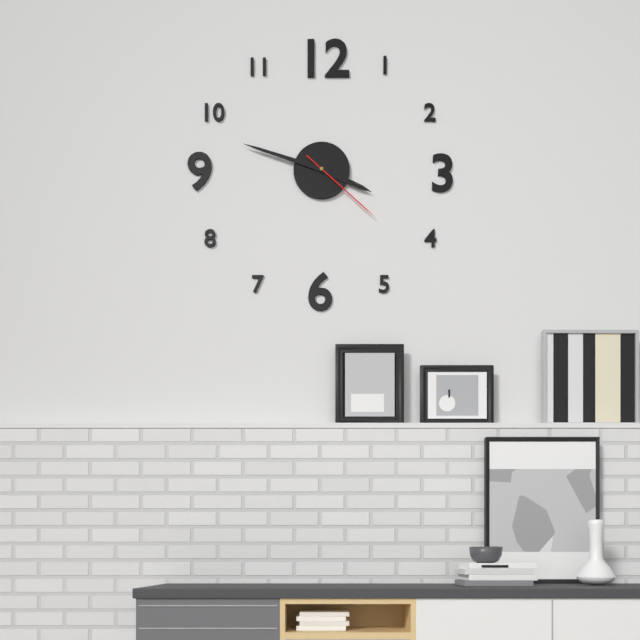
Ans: 3:48:22
